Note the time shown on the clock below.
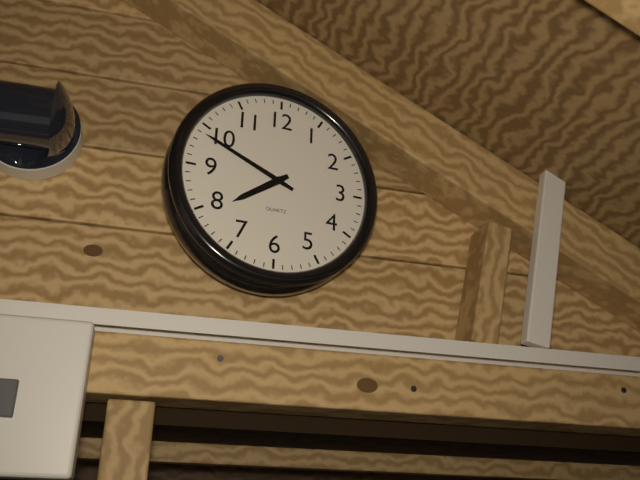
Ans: 7:49
